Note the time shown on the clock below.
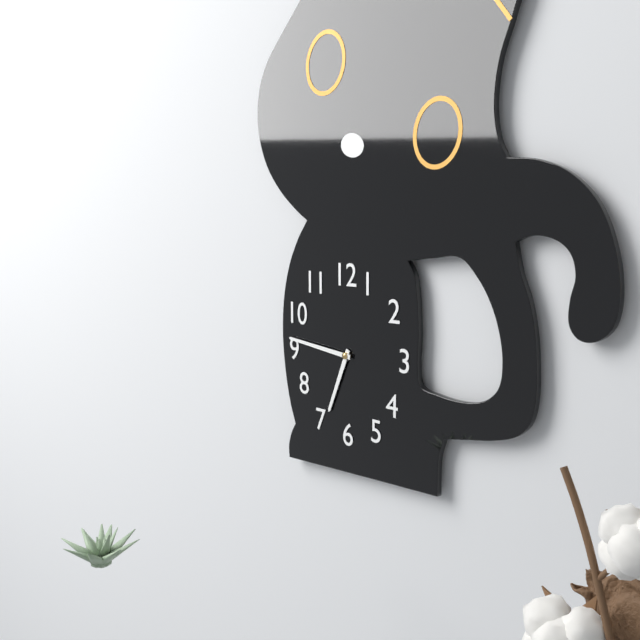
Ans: 6:46
